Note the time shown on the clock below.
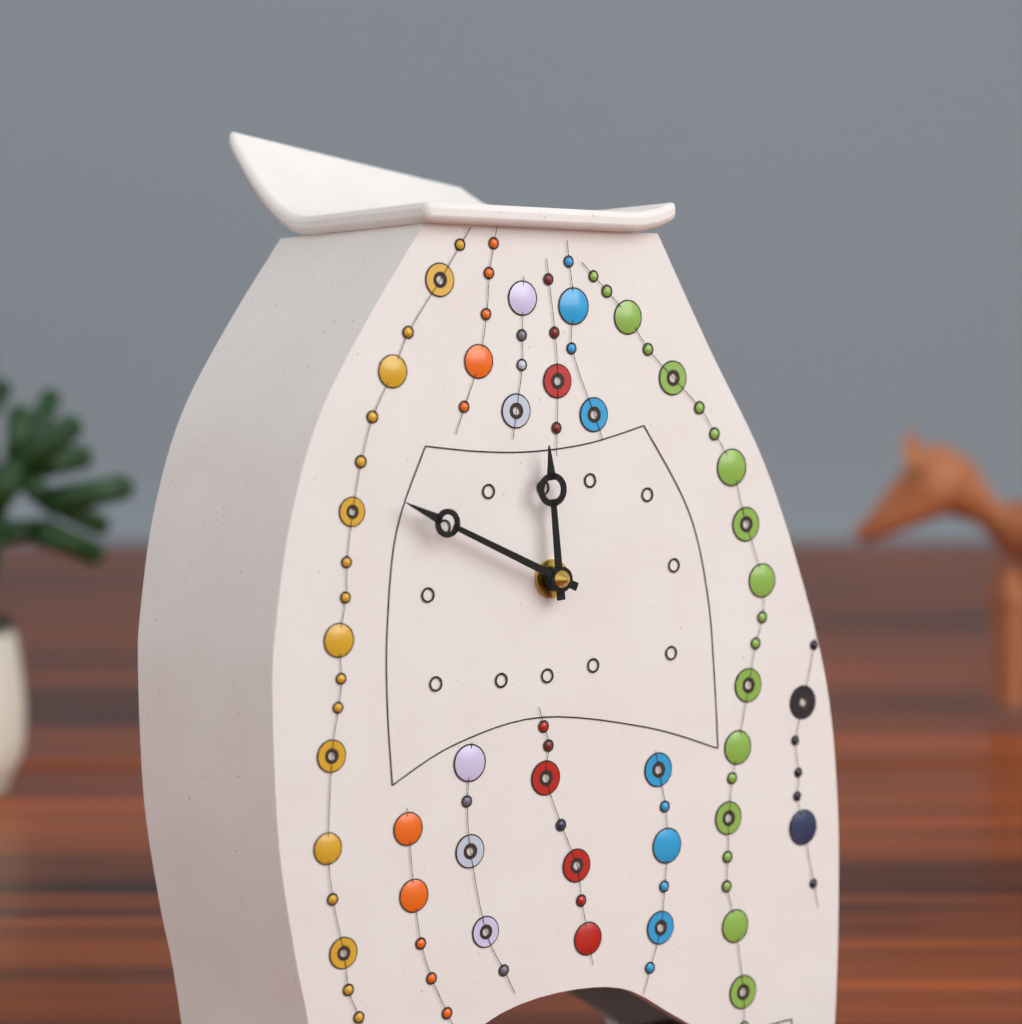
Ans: 11:49
